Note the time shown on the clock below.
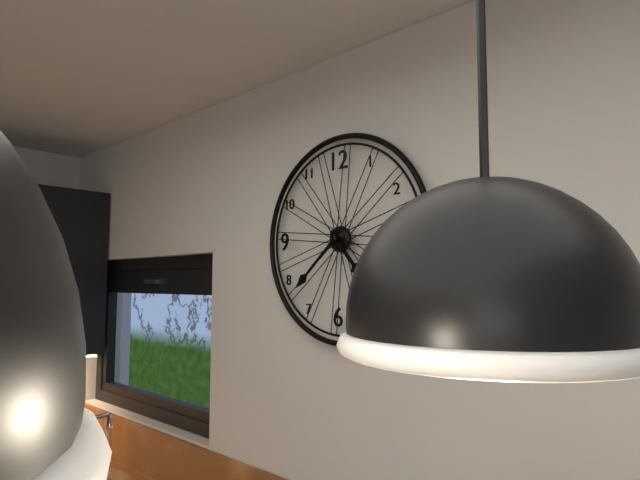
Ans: 4:38
